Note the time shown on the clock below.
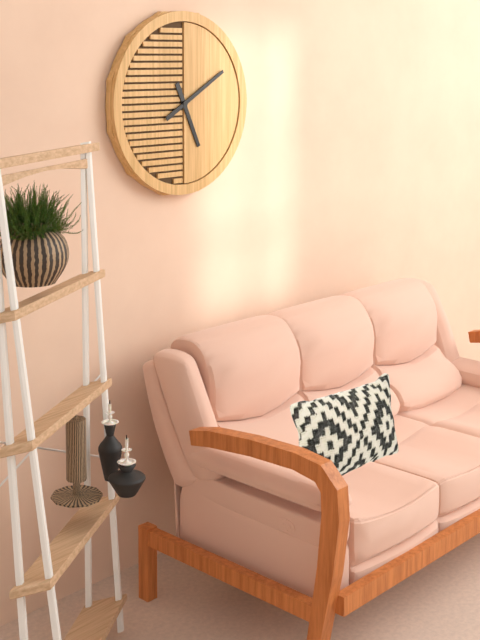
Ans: 5:10
